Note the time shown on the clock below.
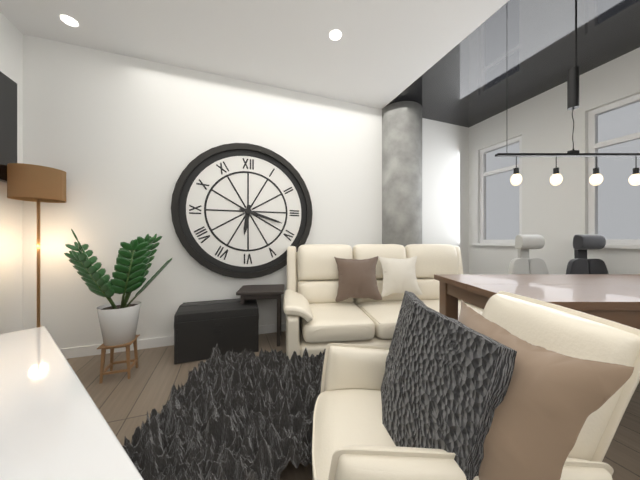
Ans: 6:18
